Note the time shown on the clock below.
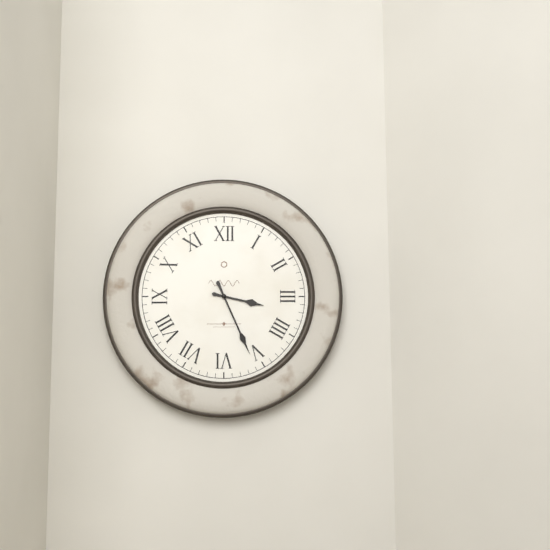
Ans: 3:26
